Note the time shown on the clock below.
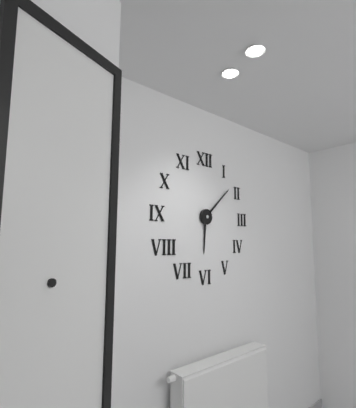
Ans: 6:08
